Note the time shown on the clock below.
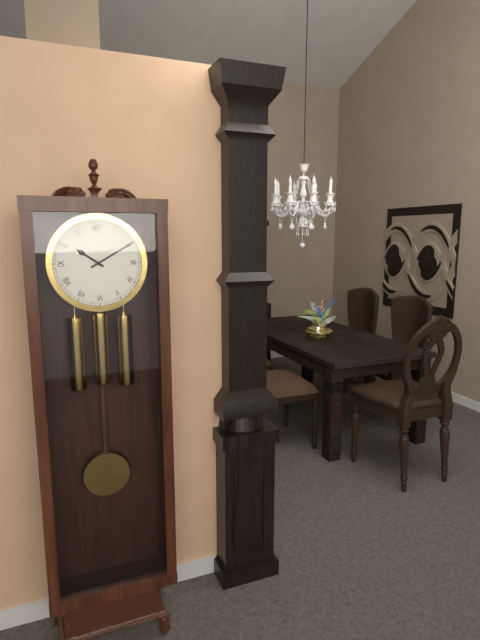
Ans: 10:10
